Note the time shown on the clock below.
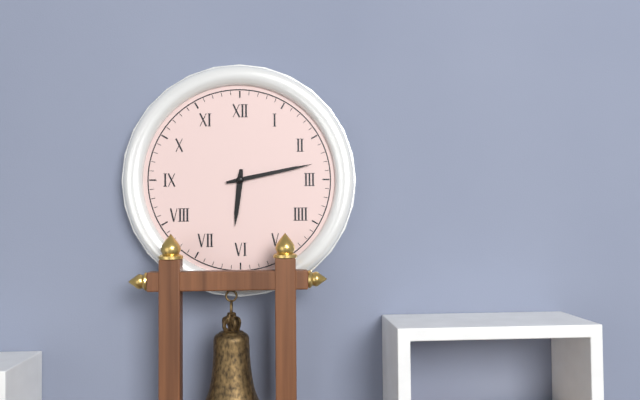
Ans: 6:13
